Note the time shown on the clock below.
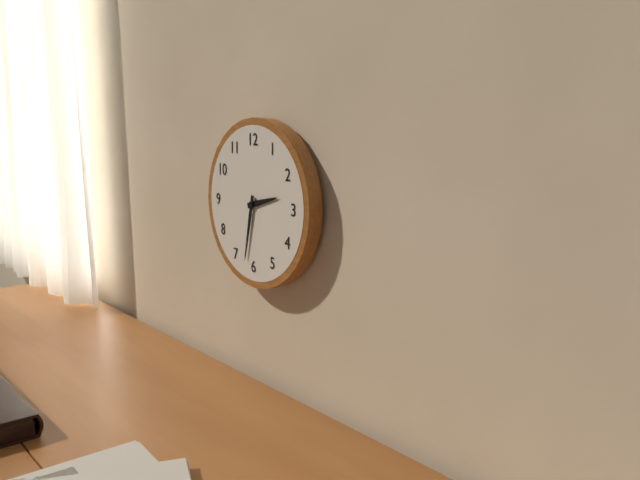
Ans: 2:32
